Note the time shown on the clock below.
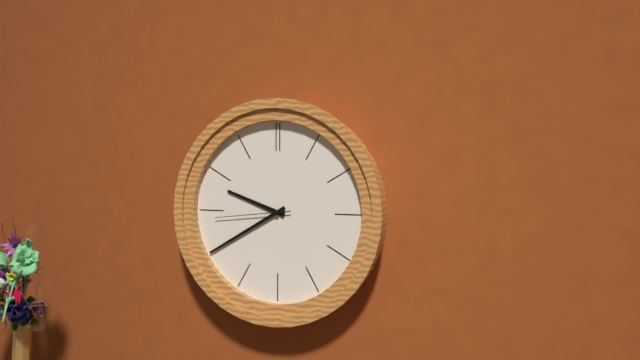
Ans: 9:40:44
